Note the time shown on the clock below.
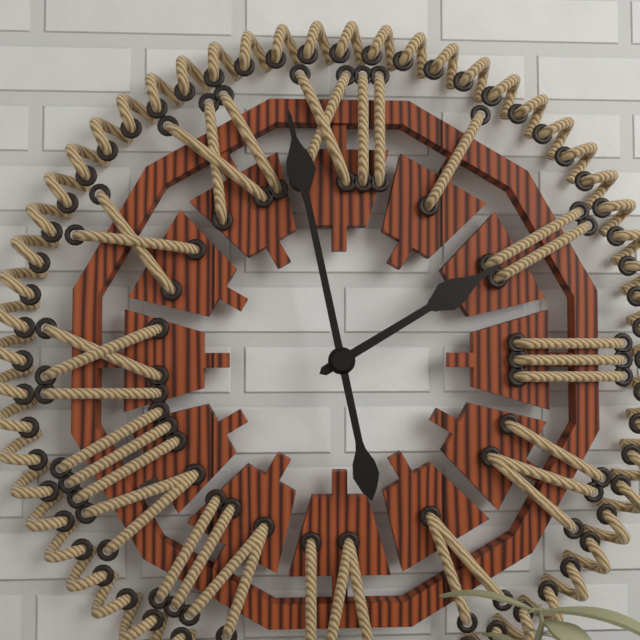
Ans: 1:58
